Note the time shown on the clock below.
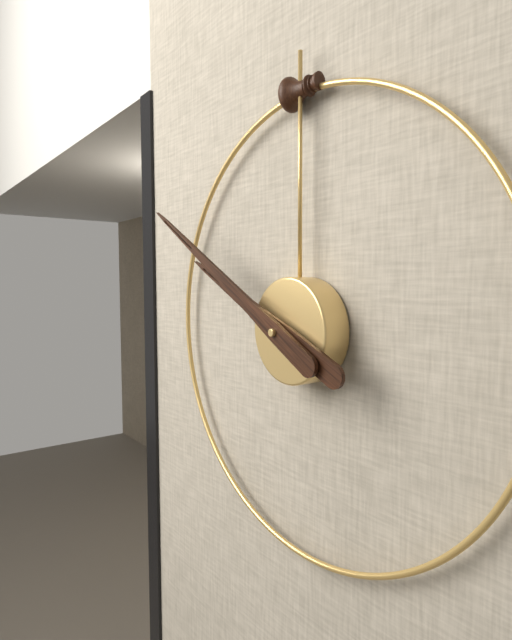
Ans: 9:50
